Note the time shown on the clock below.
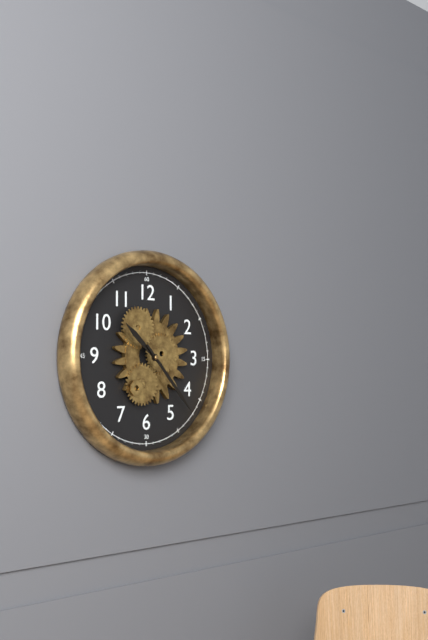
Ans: 10:23
